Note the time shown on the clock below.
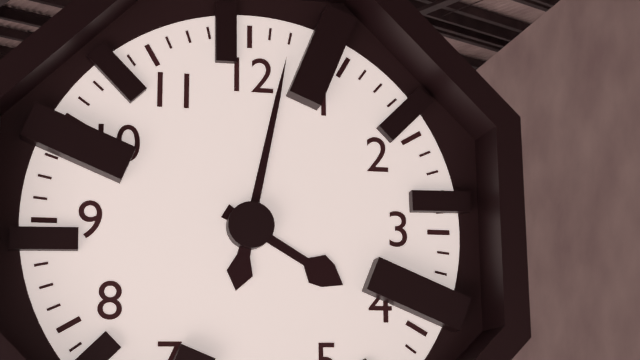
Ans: 4:02
